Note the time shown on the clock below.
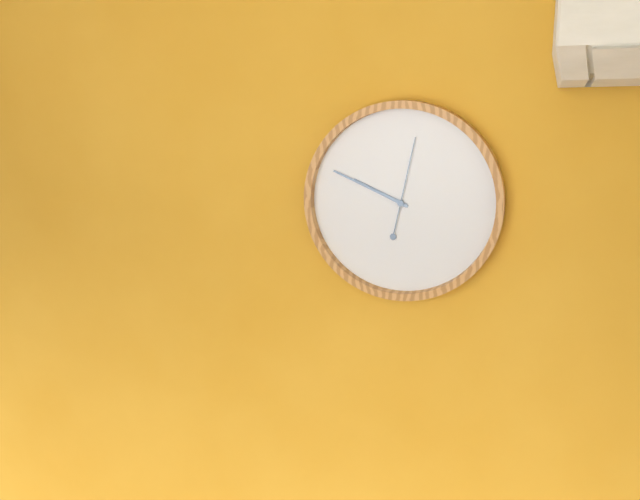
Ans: 9:49:02
